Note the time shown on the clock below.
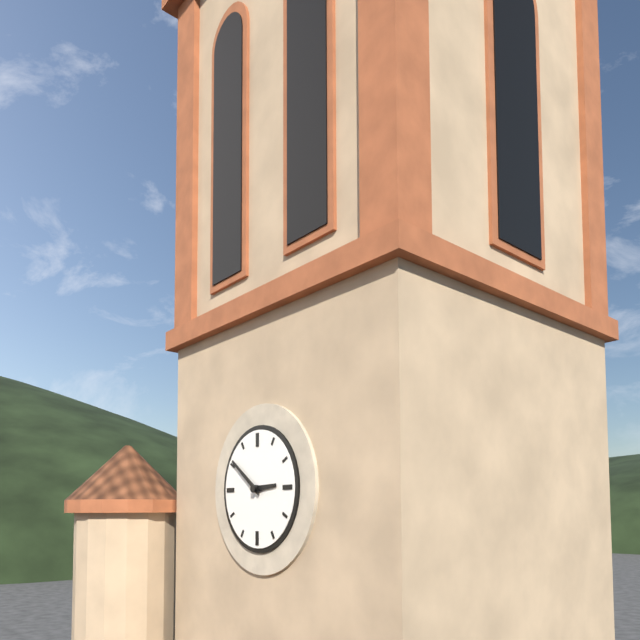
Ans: 2:51
